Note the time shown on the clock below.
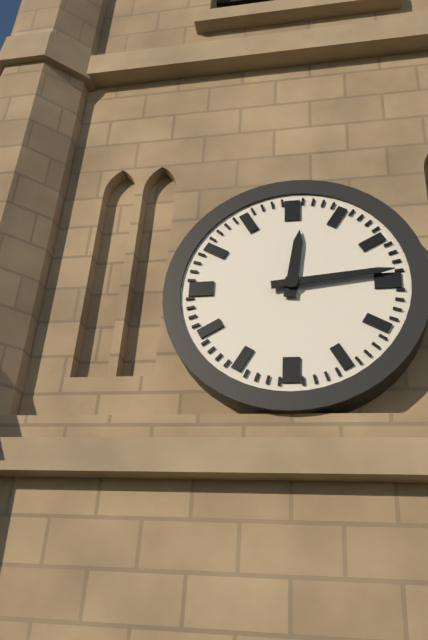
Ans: 12:14
